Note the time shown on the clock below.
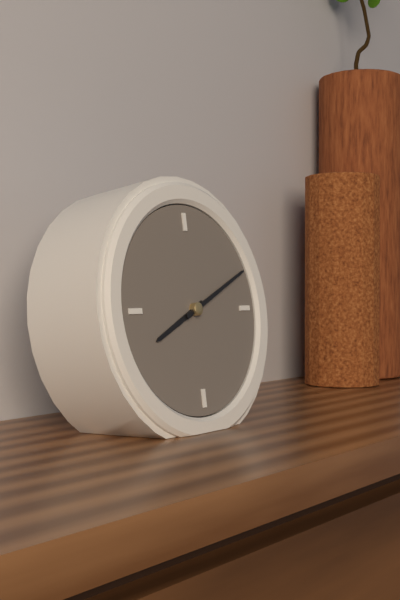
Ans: 8:11
